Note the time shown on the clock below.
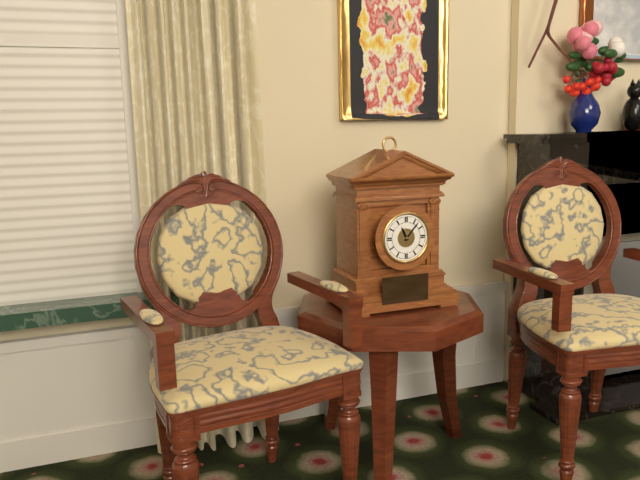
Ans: 11:07
